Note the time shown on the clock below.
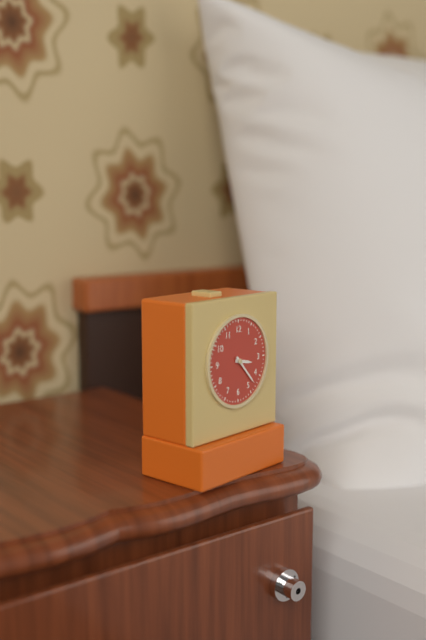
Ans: 3:23
